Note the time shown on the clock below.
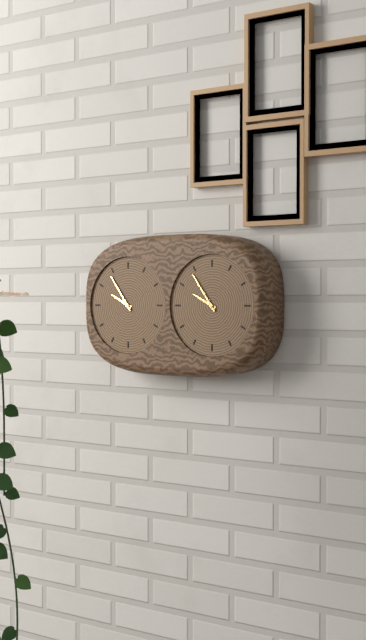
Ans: 9:54
